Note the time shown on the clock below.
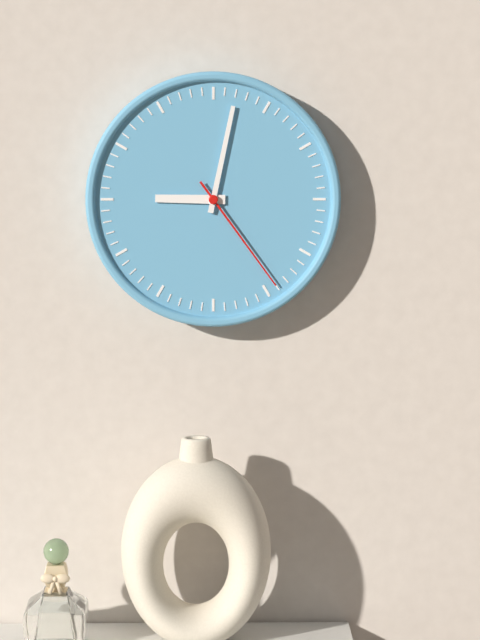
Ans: 9:02:24
